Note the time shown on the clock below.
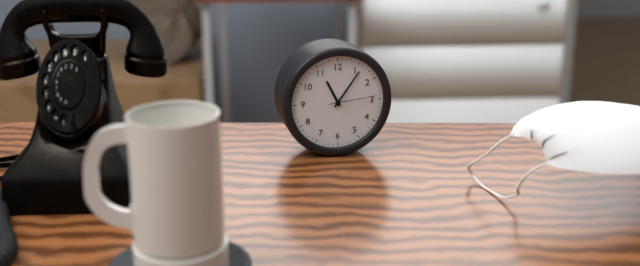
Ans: 11:06
